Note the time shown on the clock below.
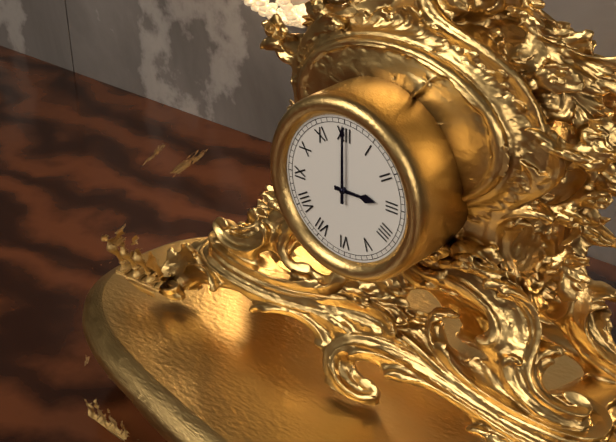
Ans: 3:00
